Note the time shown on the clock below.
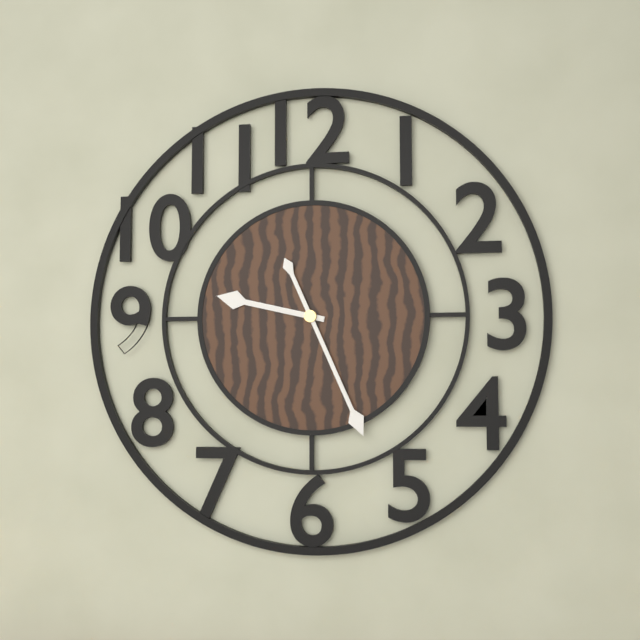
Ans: 9:26
